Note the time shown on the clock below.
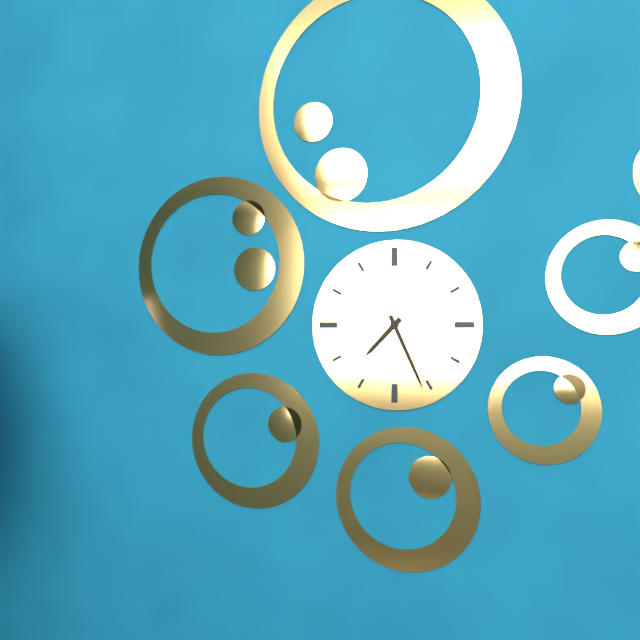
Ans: 7:26
